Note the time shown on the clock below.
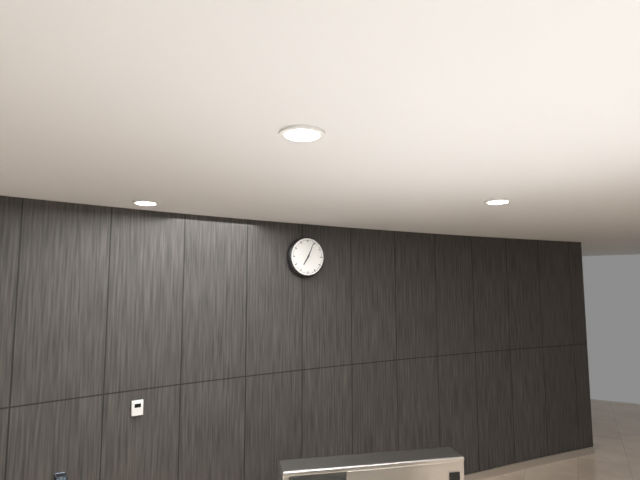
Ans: 7:04
